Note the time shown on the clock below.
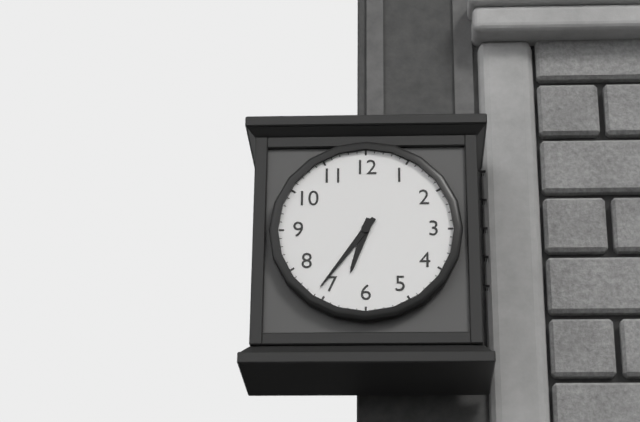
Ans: 6:36
